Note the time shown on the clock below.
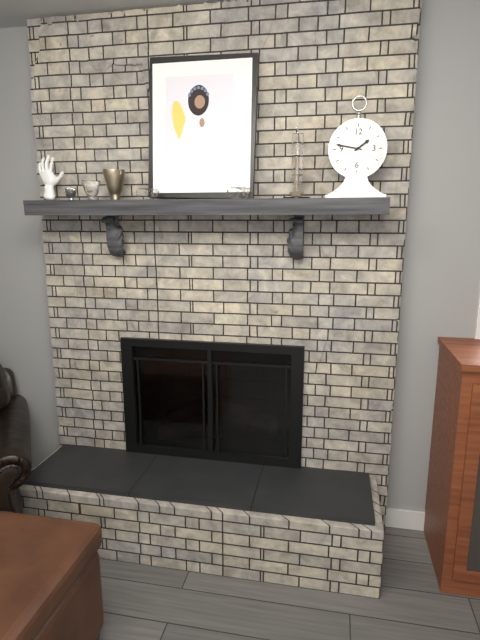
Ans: 1:47
